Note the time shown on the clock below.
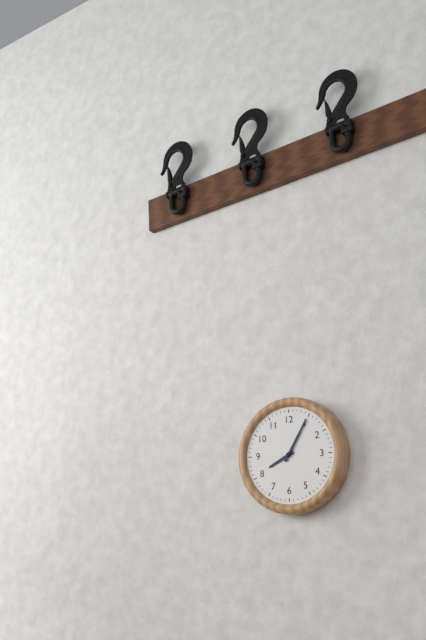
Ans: 8:05
